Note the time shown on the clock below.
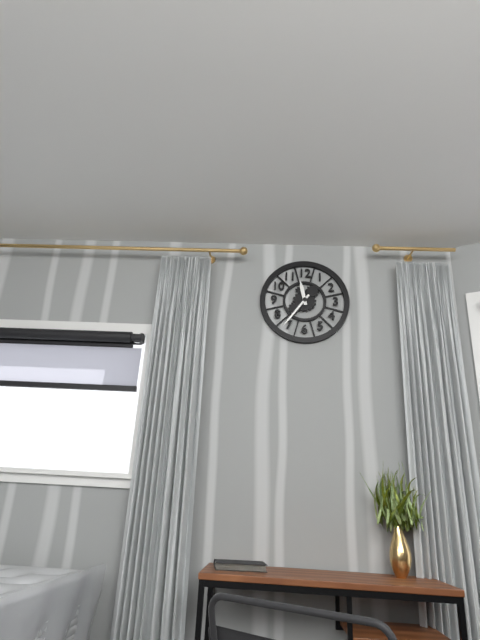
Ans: 11:36
